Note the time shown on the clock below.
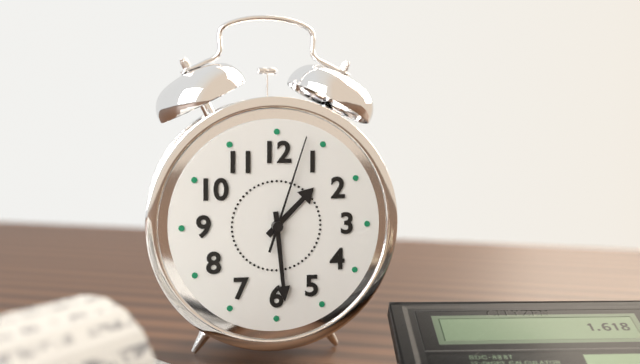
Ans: 1:29:03
